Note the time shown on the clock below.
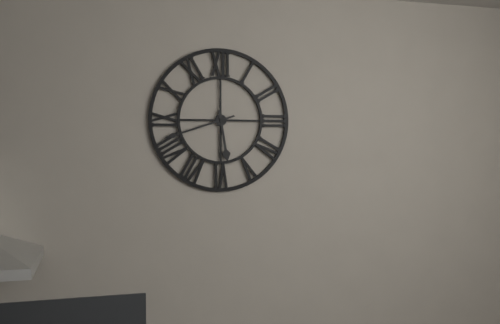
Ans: 5:42
